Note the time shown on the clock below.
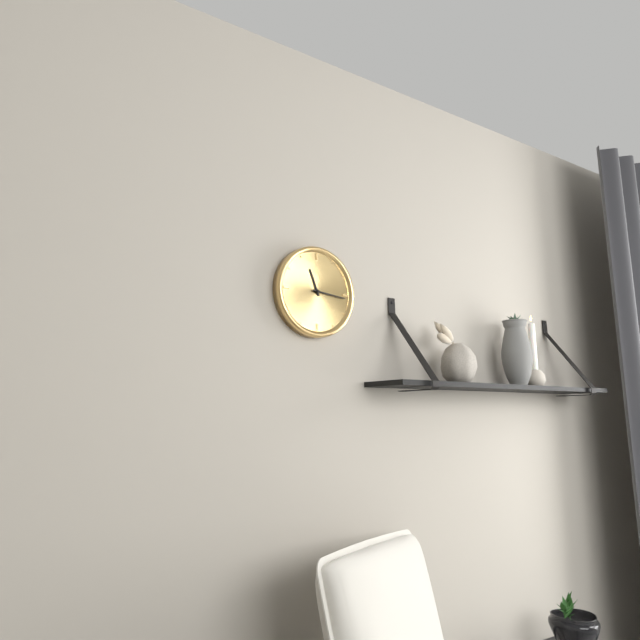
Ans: 11:16
